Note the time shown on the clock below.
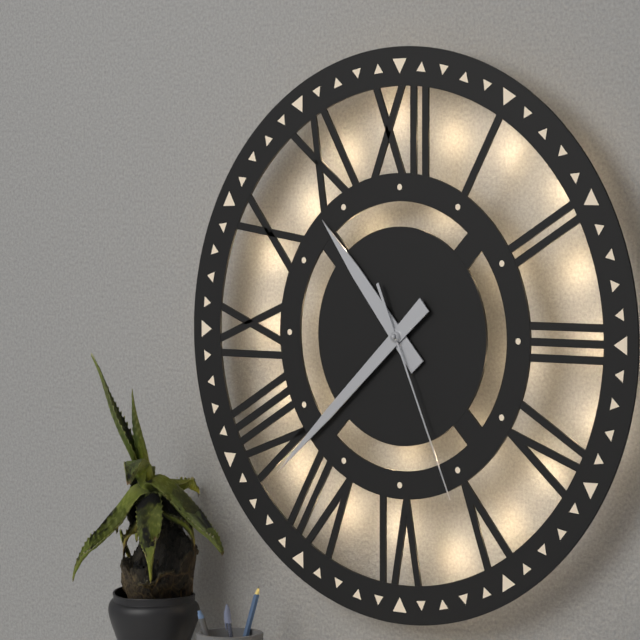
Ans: 10:38:26
